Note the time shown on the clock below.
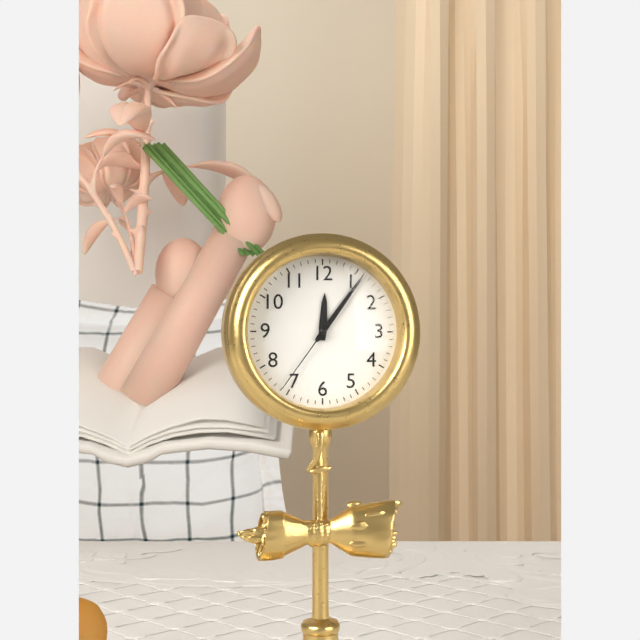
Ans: 12:06:36
